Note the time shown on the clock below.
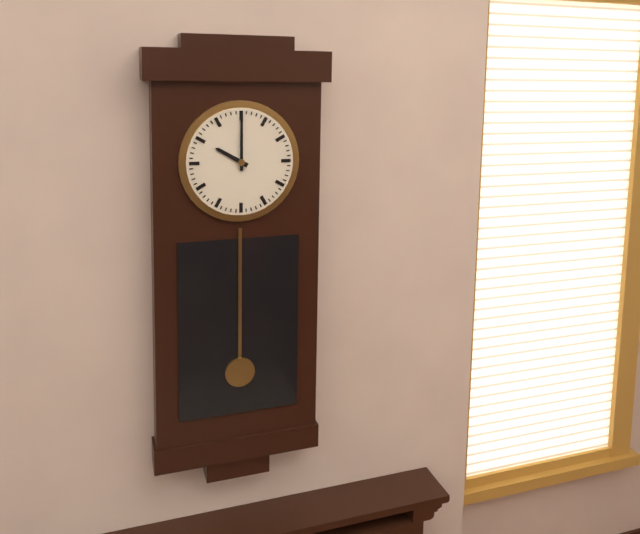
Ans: 10:00
